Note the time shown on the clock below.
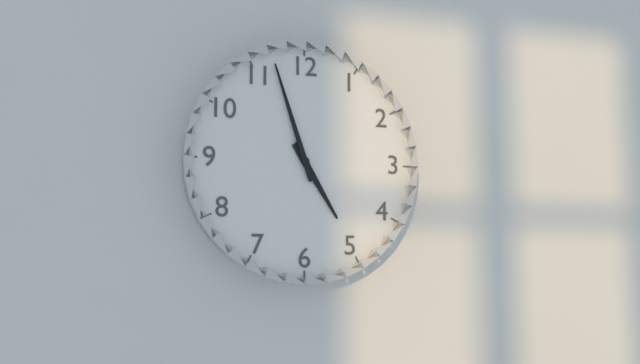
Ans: 4:57
